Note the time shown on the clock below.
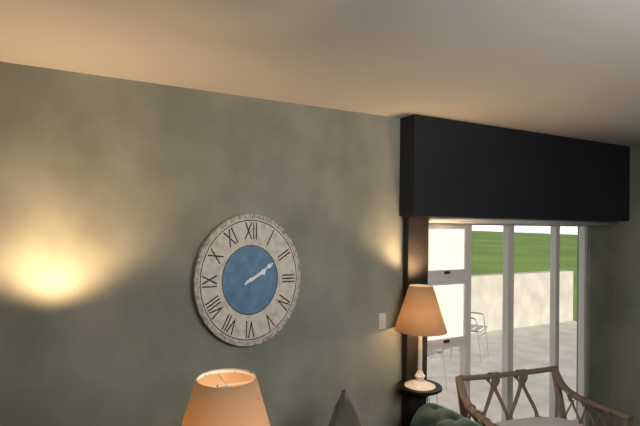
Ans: 2:10
